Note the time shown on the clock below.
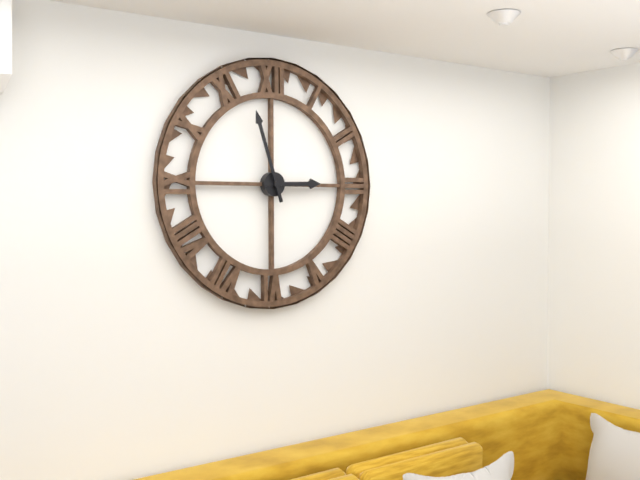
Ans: 2:57
